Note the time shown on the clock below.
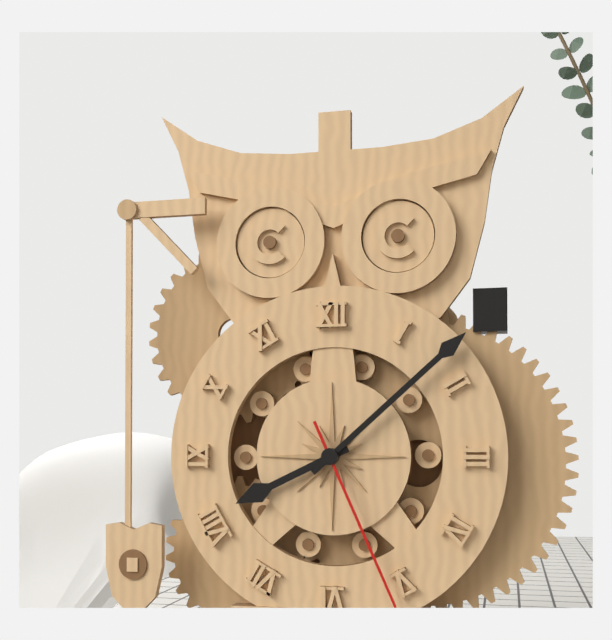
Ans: 8:08:26
